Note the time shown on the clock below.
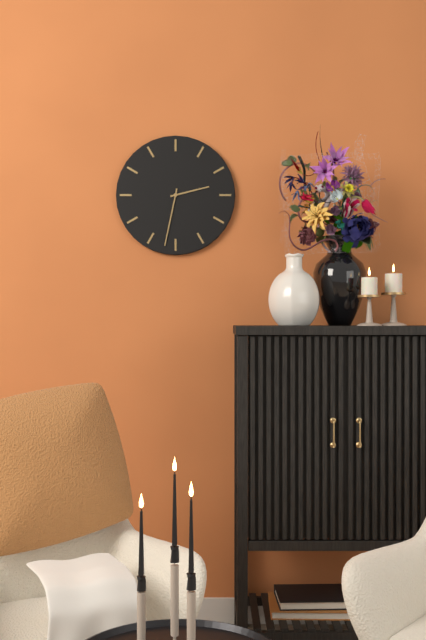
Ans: 2:32
